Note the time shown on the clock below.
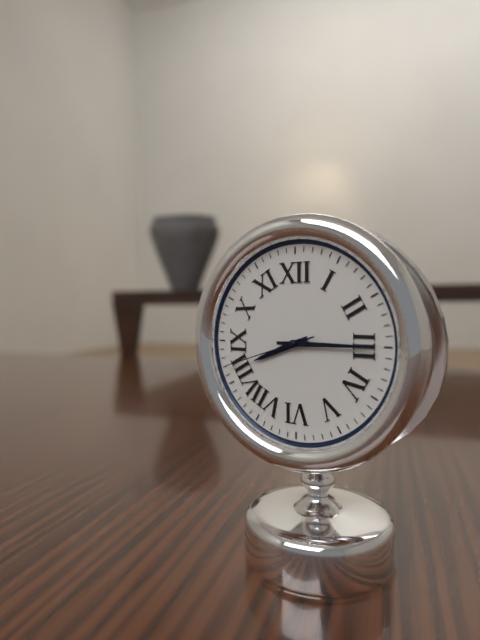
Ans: 8:15:42
